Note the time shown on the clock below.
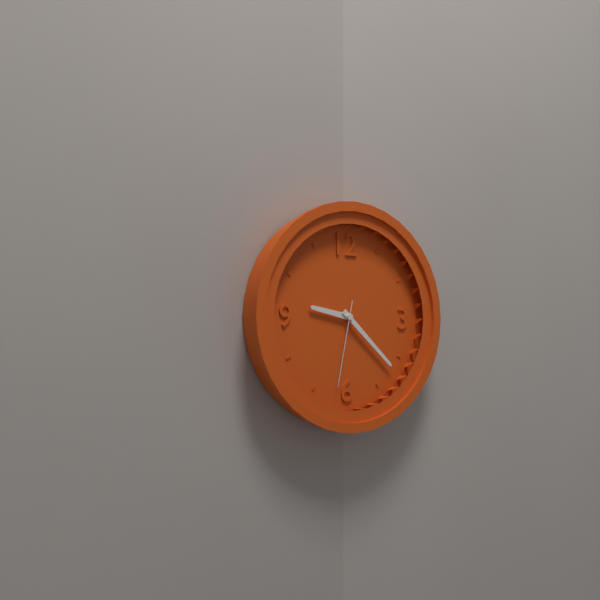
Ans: 9:22:32
